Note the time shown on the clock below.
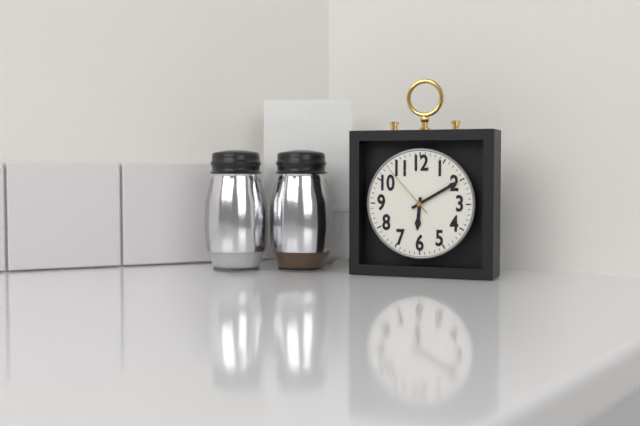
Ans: 6:10:53
